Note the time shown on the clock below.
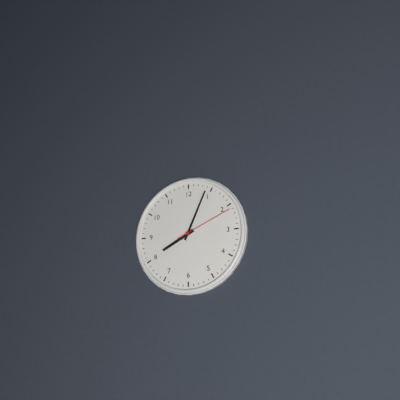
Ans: 8:04:11
